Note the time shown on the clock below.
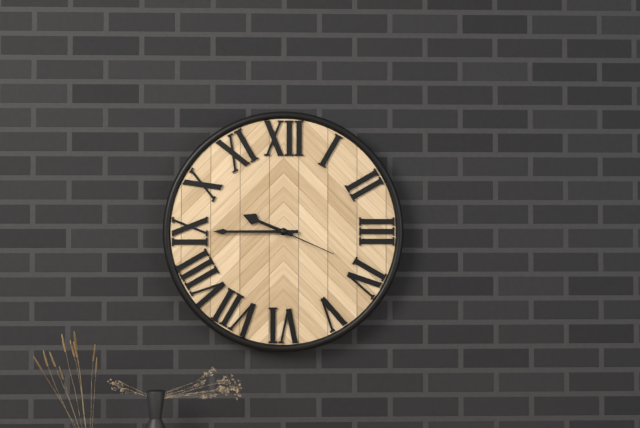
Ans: 9:45:19
